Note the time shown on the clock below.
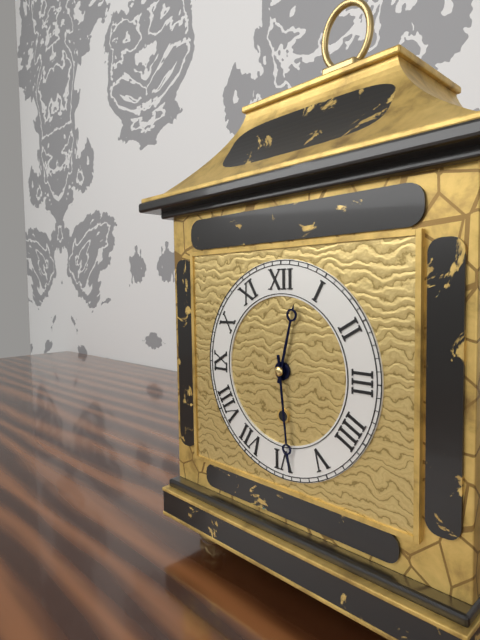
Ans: 12:29
